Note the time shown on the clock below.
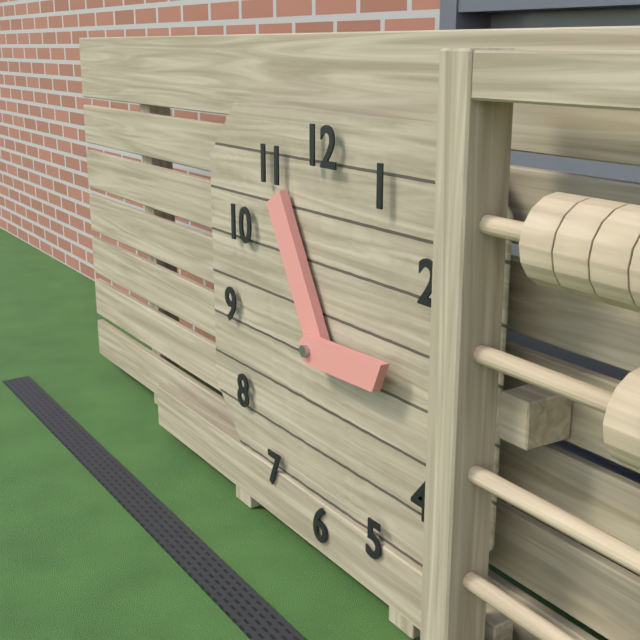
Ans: 2:55
